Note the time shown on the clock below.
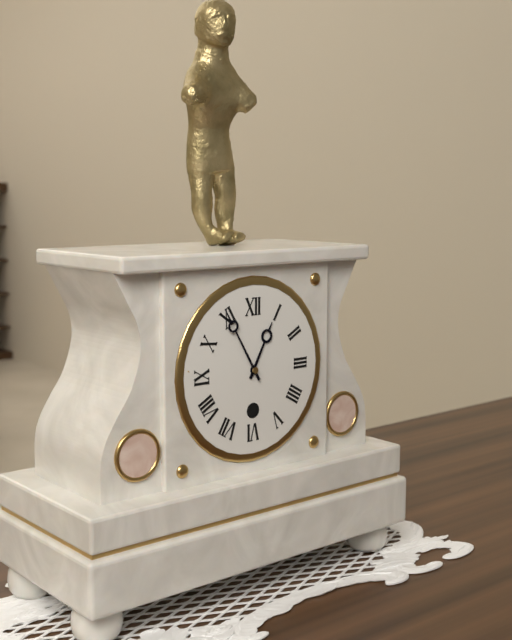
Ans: 12:55
